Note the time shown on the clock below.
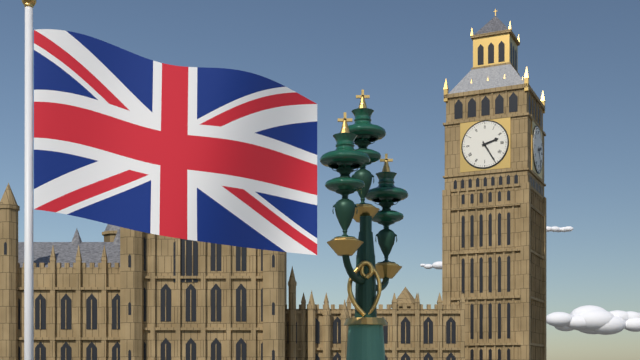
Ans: 2:25
